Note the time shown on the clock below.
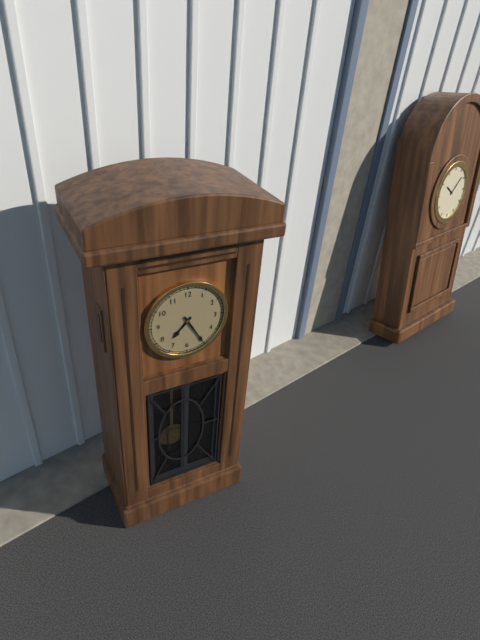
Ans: 7:25
